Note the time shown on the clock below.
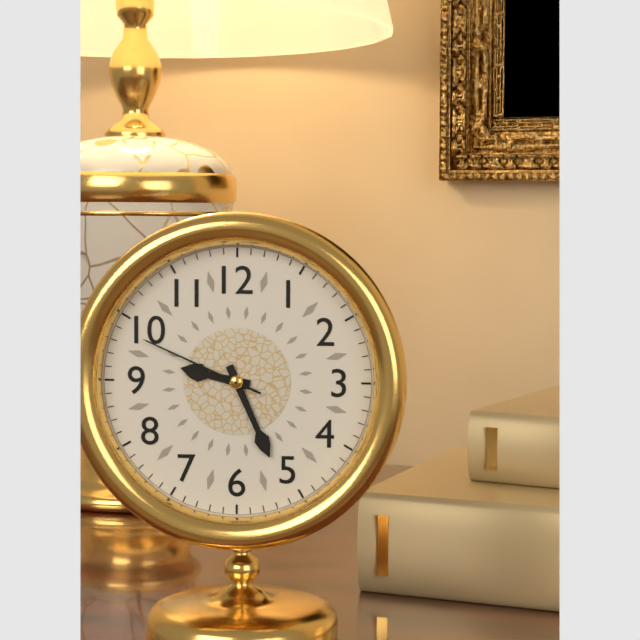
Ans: 9:26:49
